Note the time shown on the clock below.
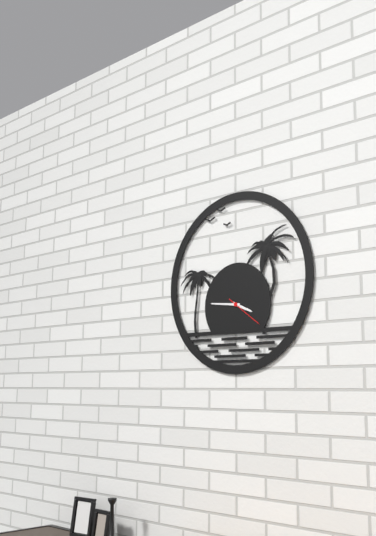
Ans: 3:46
